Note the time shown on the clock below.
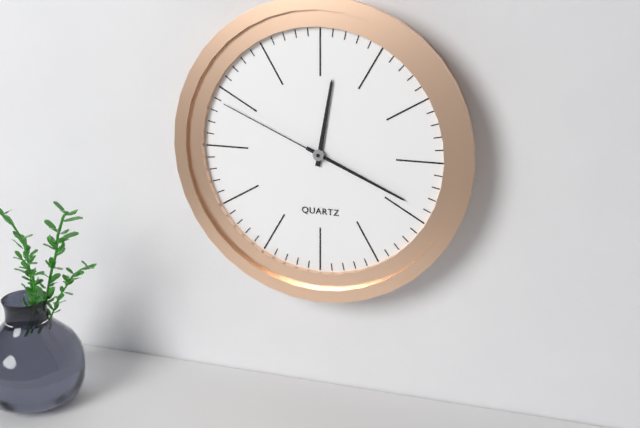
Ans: 12:19:49
